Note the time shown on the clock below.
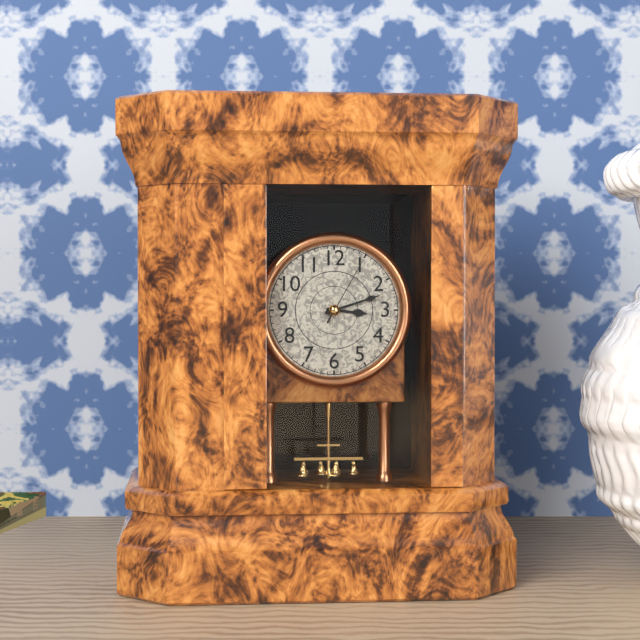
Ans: 3:12:05
